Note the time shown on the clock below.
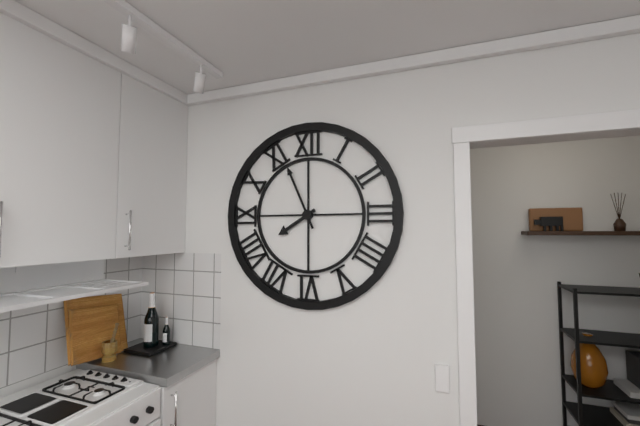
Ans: 7:56
